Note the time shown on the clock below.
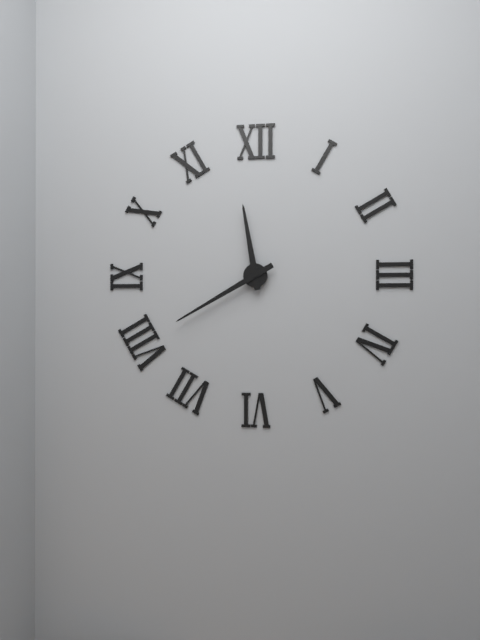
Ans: 11:40
